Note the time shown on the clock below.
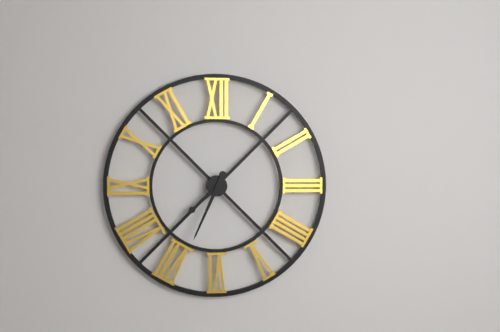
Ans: 7:34
